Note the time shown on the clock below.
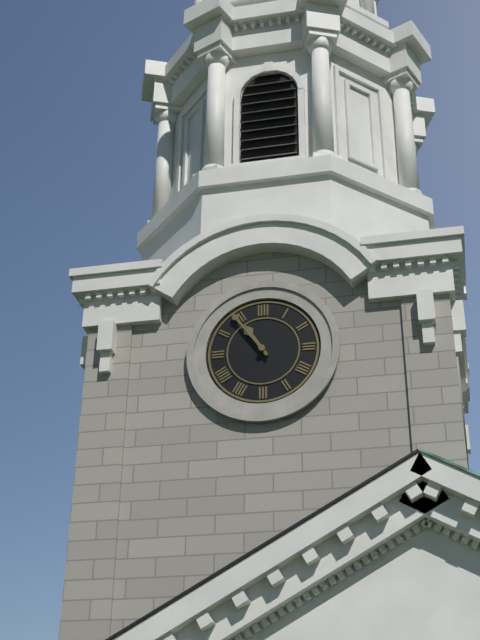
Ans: 10:54
